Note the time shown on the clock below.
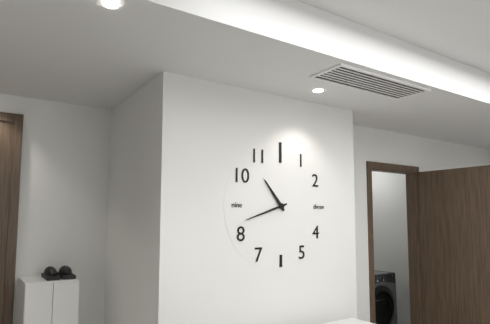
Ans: 10:42
